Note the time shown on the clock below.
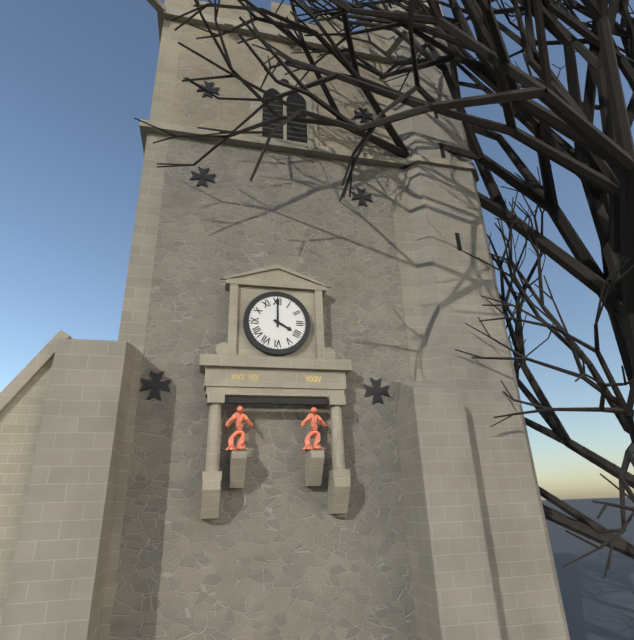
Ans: 4:00
